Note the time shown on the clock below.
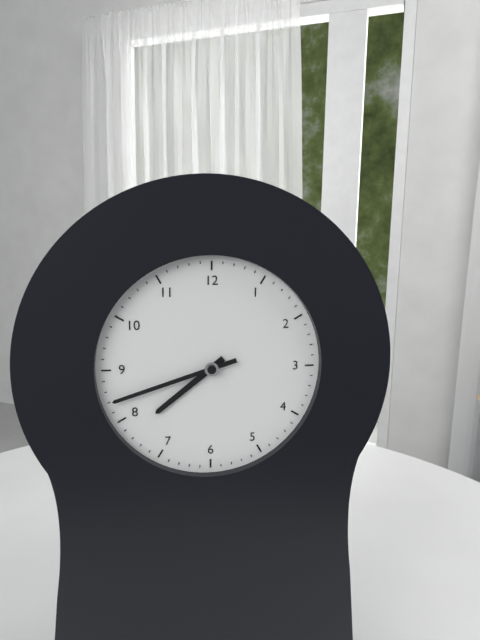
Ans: 7:42
